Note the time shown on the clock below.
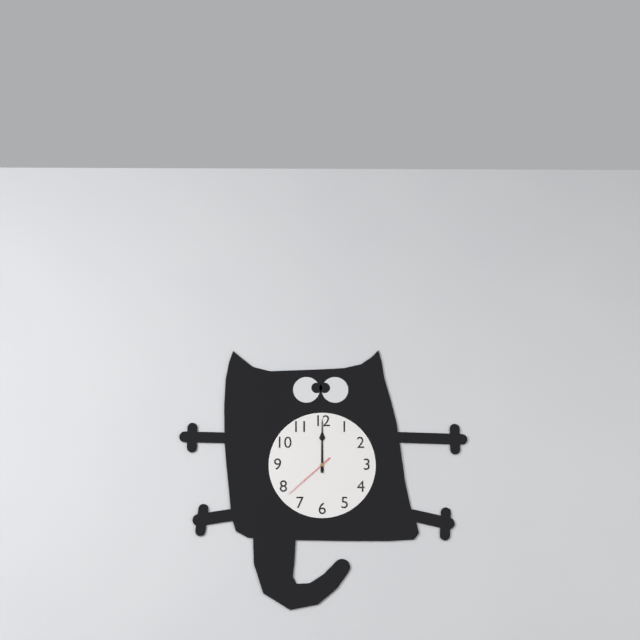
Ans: 12:00:38
